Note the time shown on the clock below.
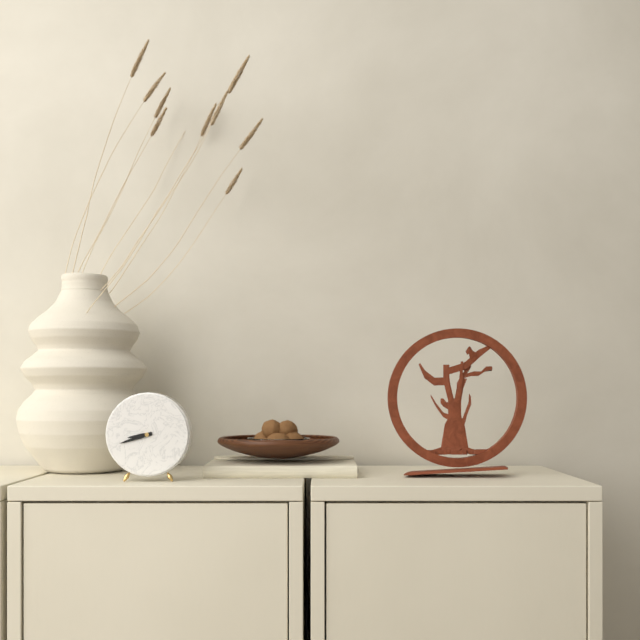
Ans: 8:42
